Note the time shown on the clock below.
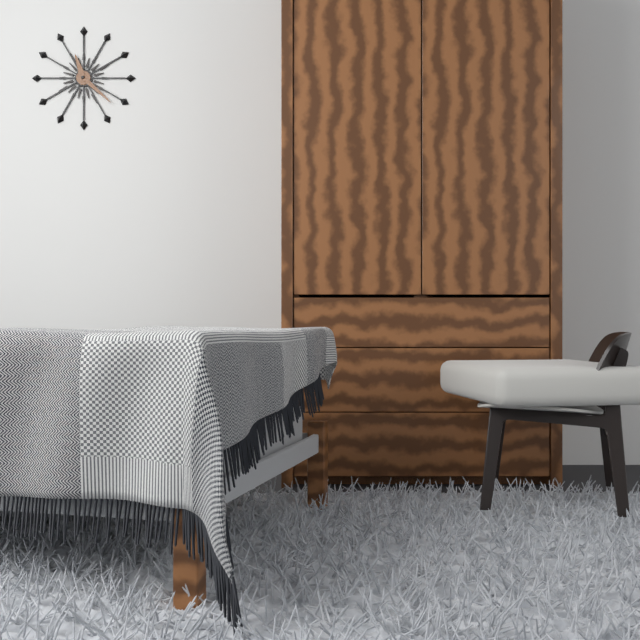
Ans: 11:22
